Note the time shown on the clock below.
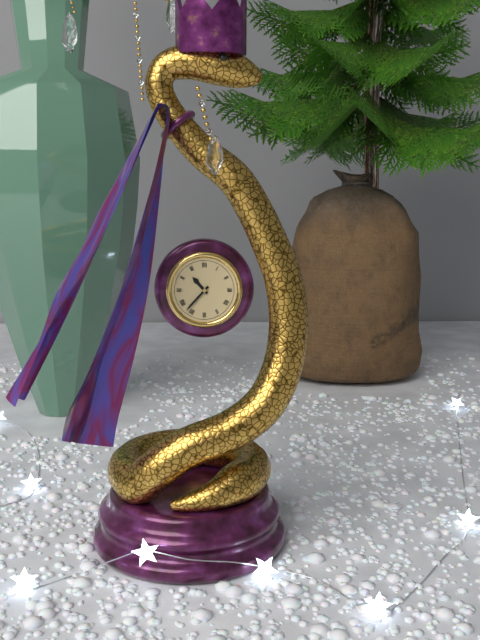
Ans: 10:37
